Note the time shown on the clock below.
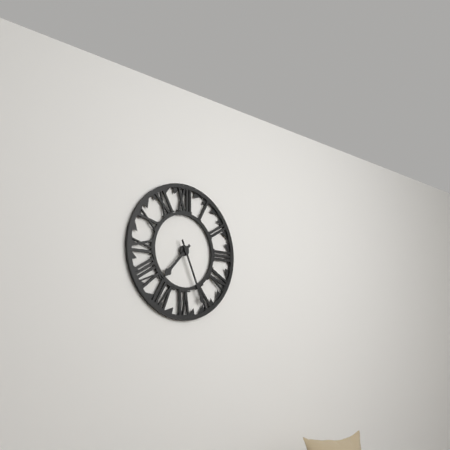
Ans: 7:26
